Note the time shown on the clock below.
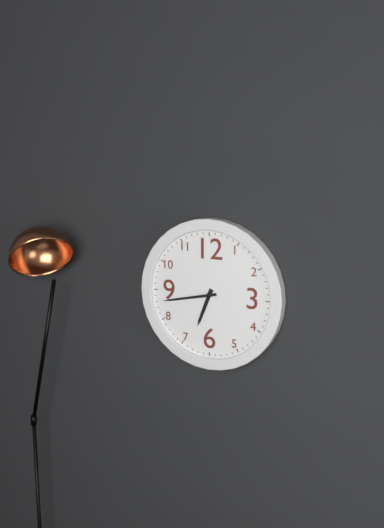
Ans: 6:43
